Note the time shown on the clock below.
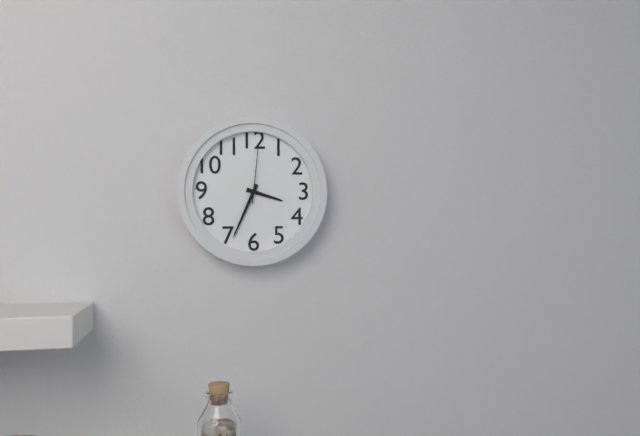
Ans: 3:34:01
